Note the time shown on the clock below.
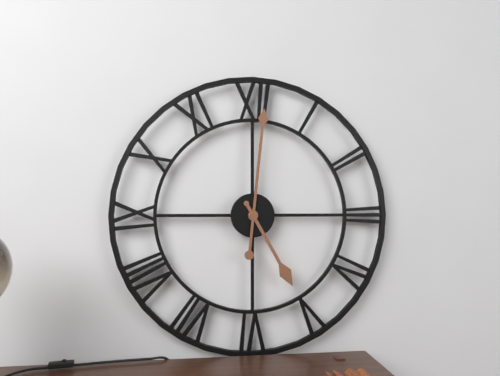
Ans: 5:01
